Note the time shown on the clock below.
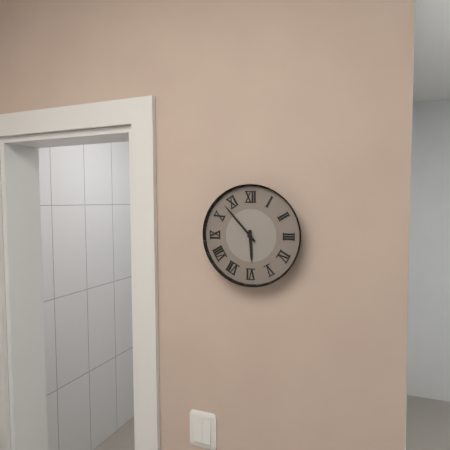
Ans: 5:53
